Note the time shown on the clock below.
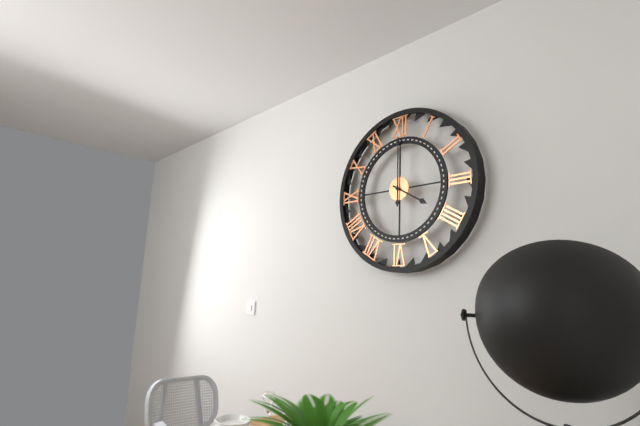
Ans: 4:00
